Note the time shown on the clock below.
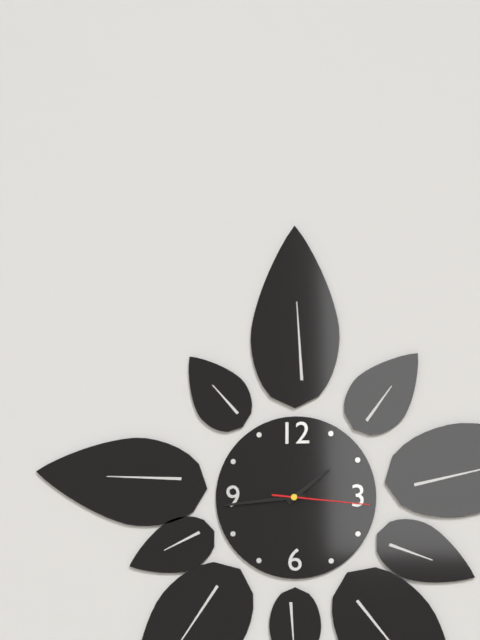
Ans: 1:44:16
